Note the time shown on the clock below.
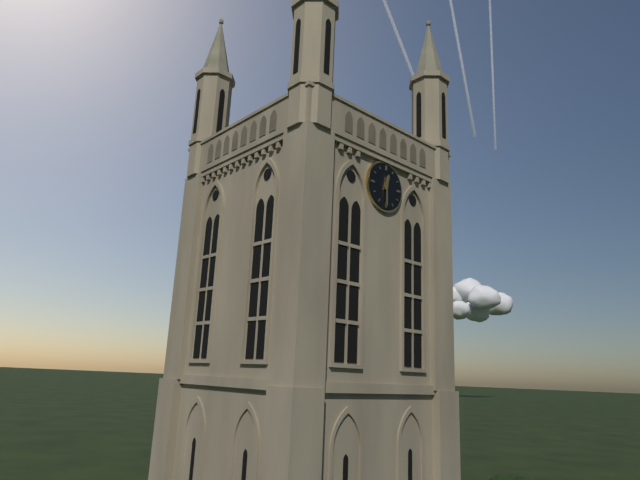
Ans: 12:30
